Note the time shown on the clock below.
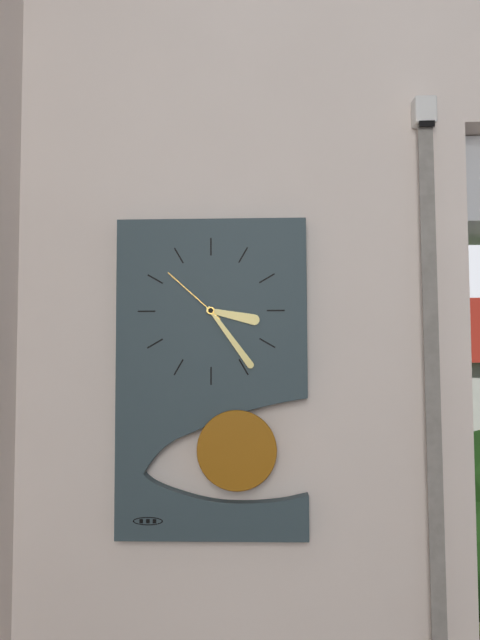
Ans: 3:24:52
